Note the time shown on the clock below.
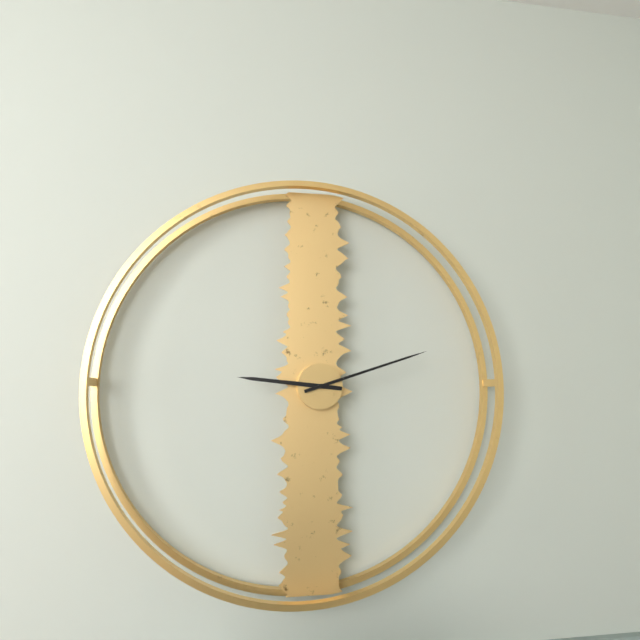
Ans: 9:12
